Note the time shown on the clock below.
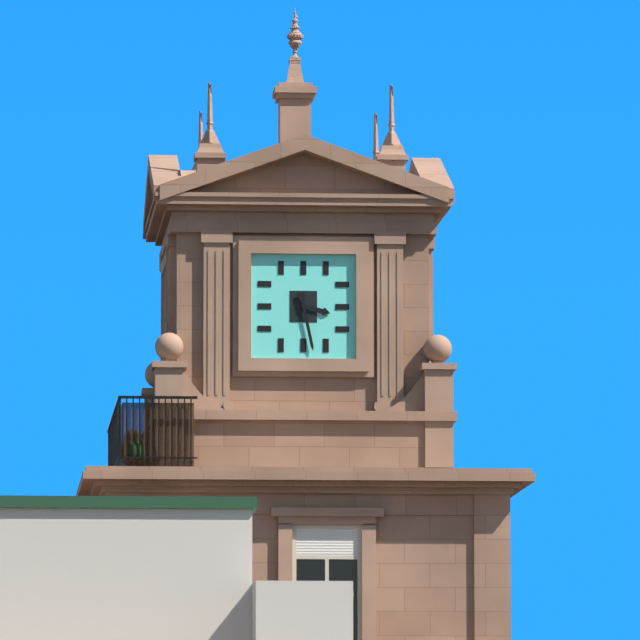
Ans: 3:28
